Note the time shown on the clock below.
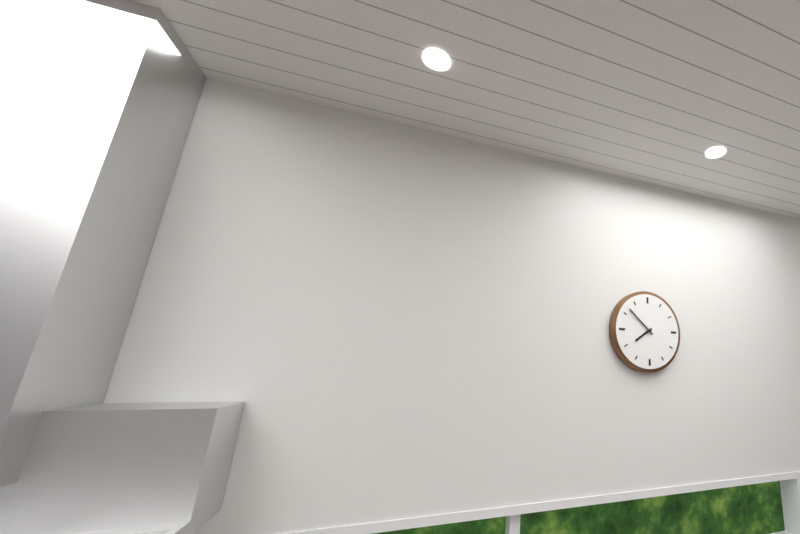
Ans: 7:52
